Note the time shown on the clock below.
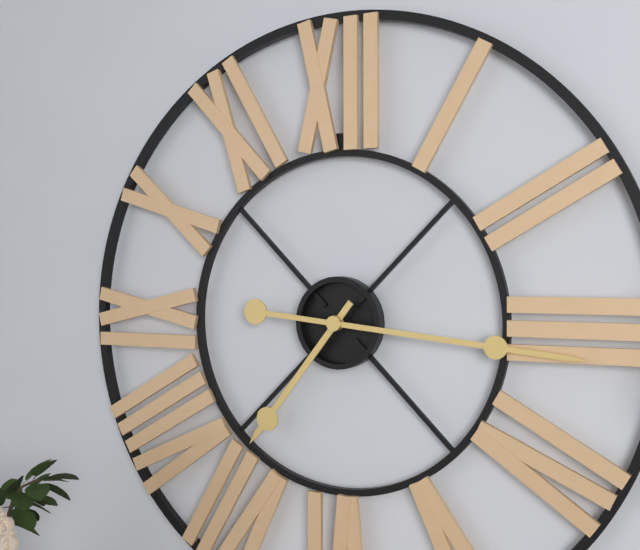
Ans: 7:16
